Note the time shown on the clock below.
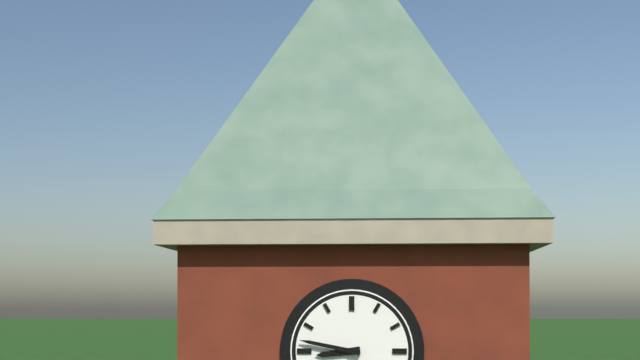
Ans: 8:47
